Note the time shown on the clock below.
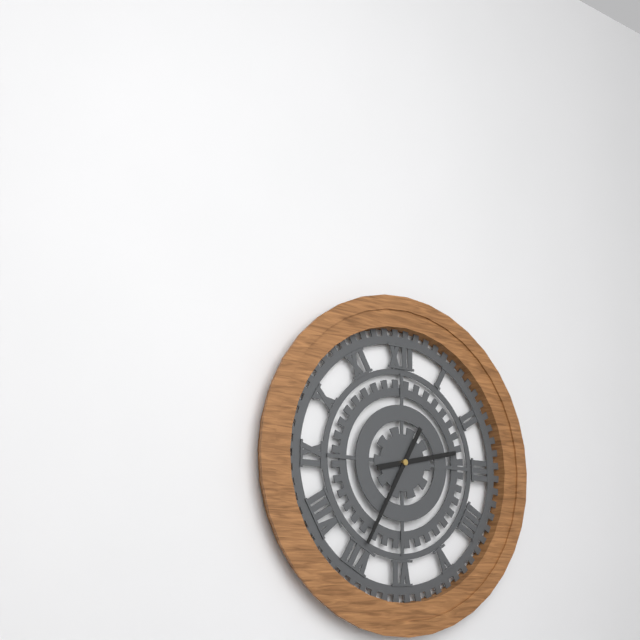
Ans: 2:35
